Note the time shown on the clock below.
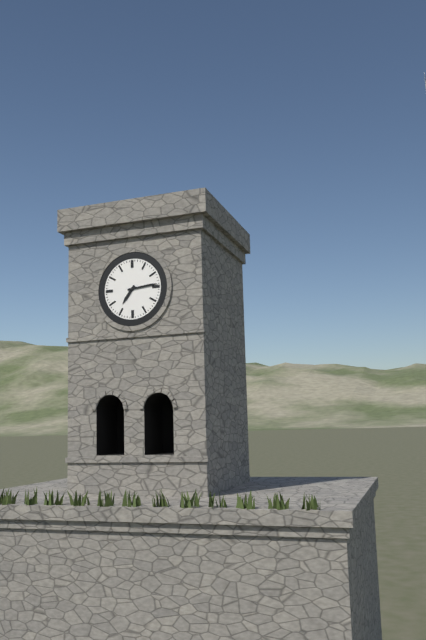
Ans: 7:14
